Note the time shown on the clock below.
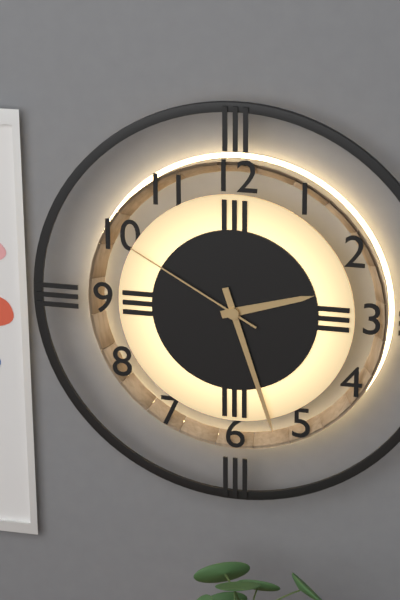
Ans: 2:27:50
